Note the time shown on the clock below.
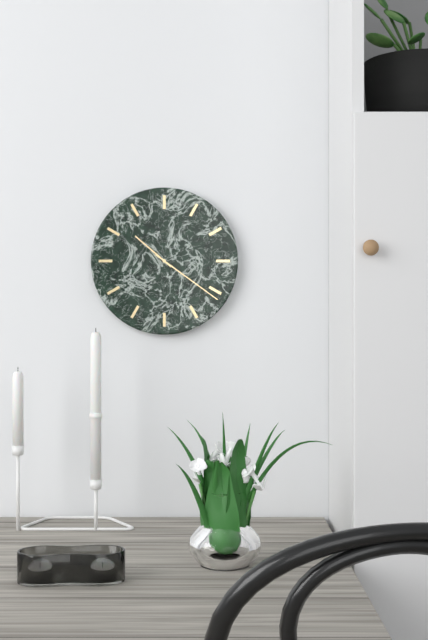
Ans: 10:21
